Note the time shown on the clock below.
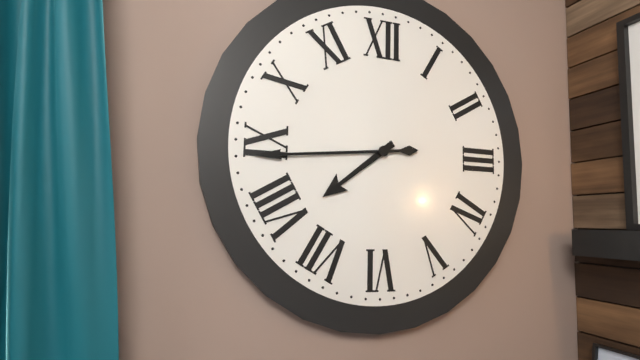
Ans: 7:44
